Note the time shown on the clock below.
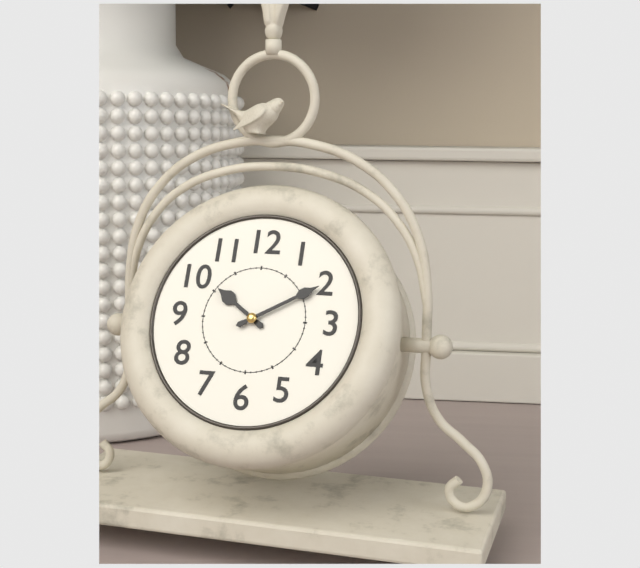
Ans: 10:10
